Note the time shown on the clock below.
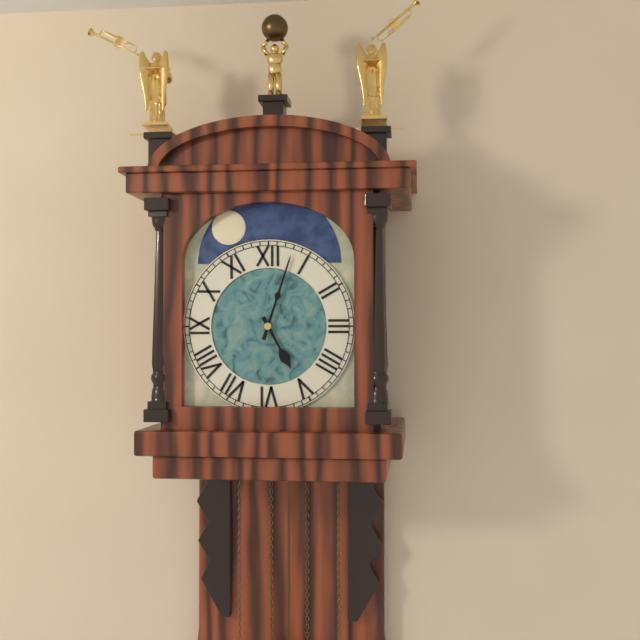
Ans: 5:03
